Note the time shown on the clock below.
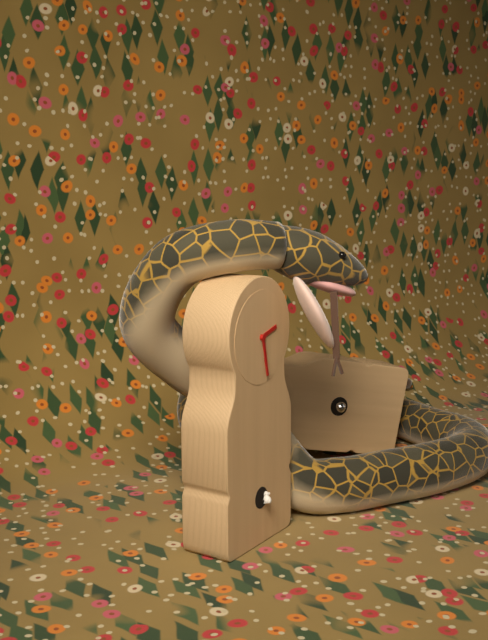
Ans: 2:28
